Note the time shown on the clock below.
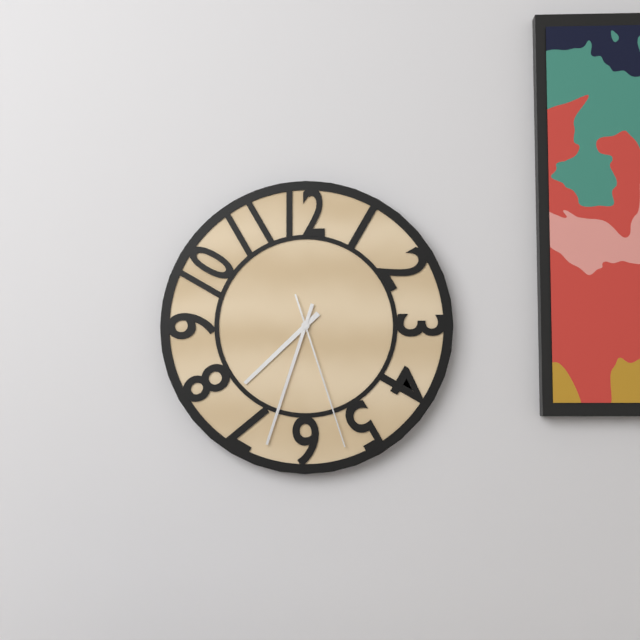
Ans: 7:33:27
